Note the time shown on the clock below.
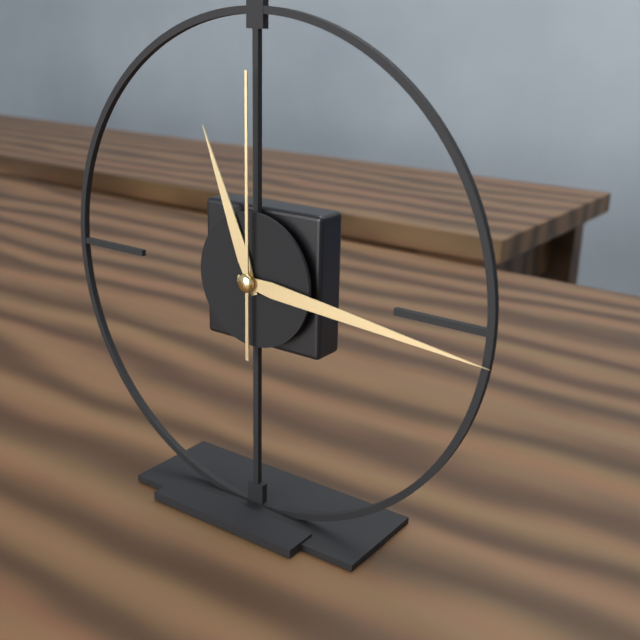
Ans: 11:16:00
